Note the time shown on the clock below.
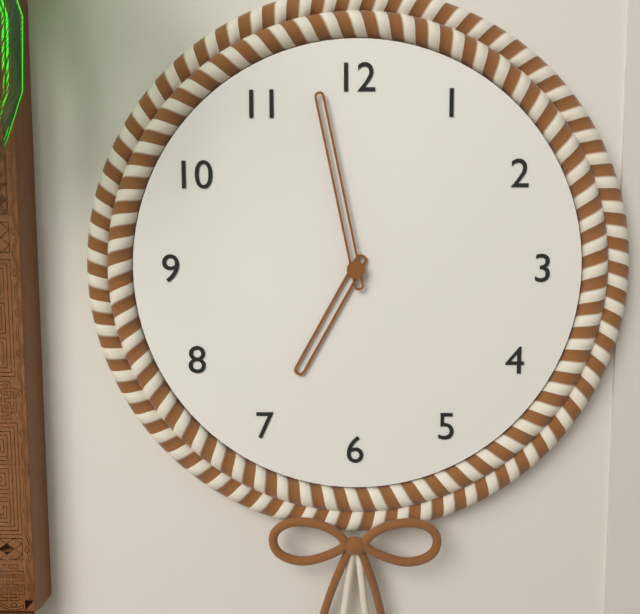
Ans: 6:58
